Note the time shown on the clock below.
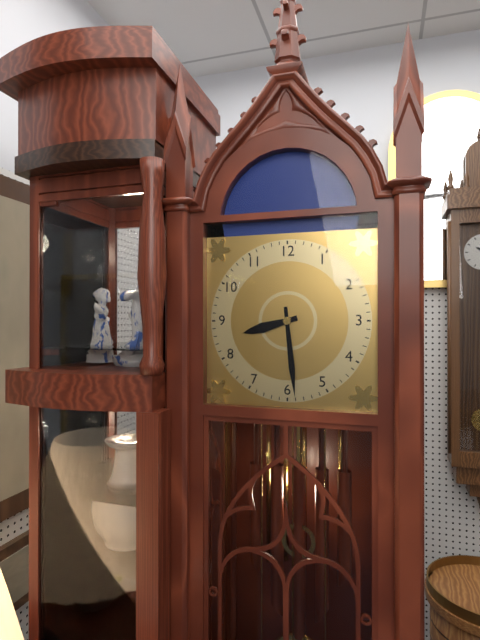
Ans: 8:29
